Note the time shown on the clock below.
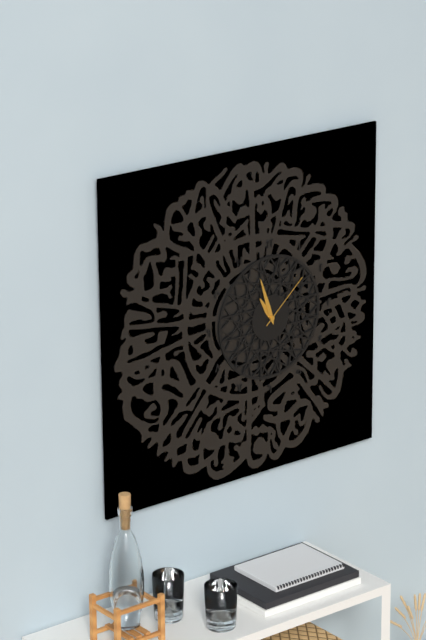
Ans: 10:57:08
